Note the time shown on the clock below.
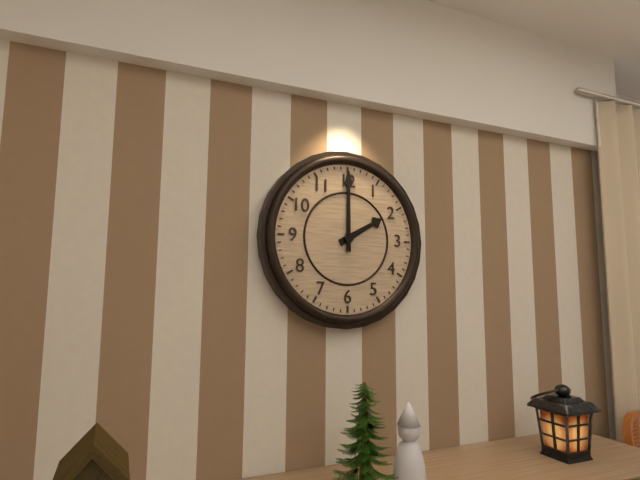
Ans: 2:00
